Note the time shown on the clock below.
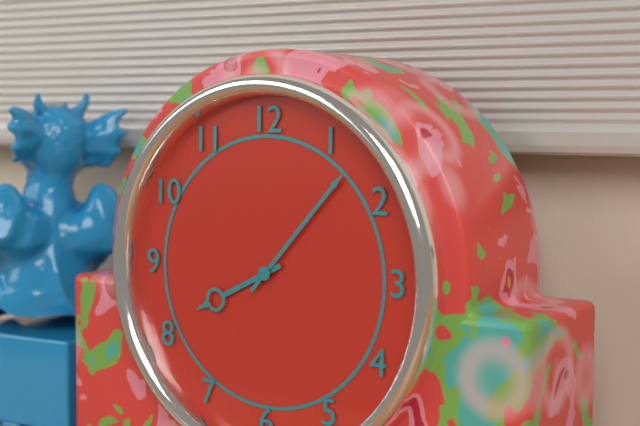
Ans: 8:07
